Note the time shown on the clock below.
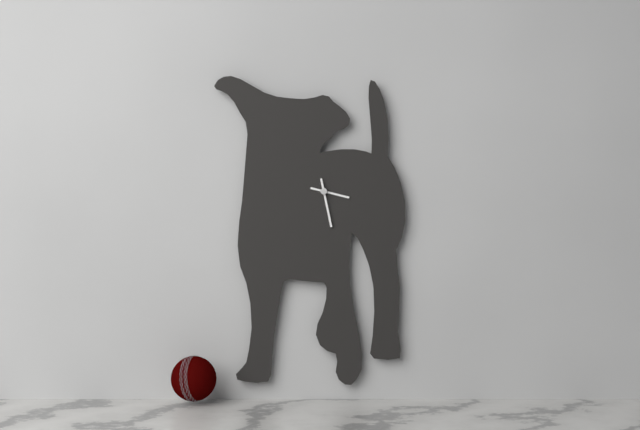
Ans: 3:28
